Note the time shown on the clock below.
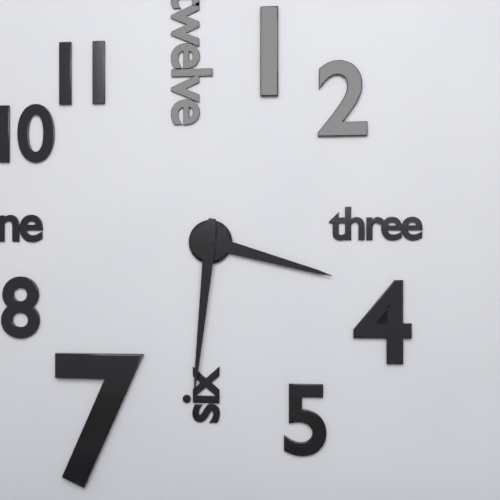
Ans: 3:31
